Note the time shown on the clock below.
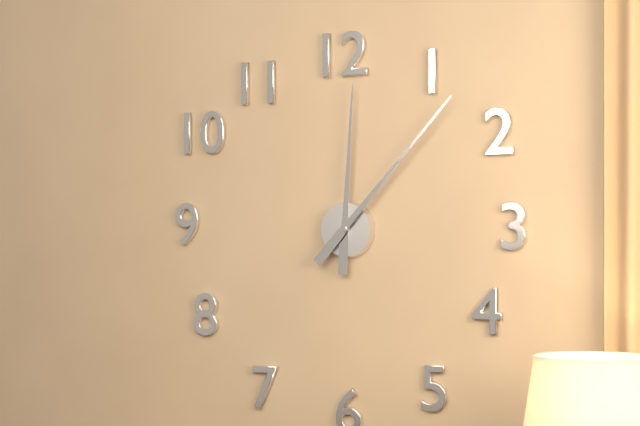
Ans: 12:07
